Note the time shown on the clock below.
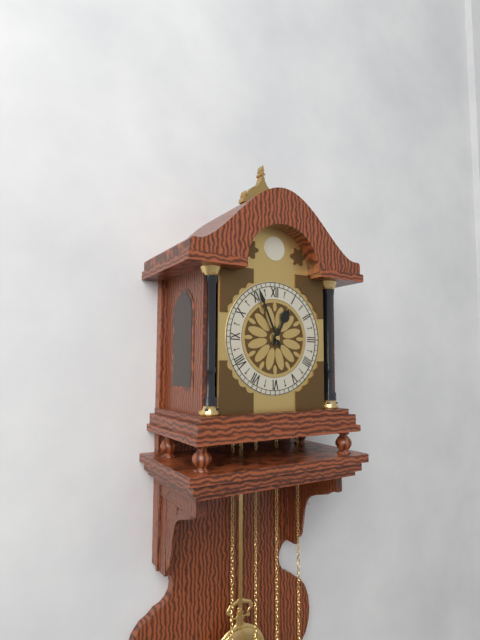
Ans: 12:56
